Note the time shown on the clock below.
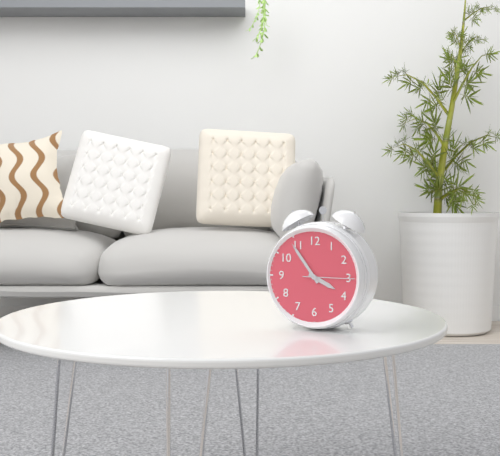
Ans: 3:54:15
